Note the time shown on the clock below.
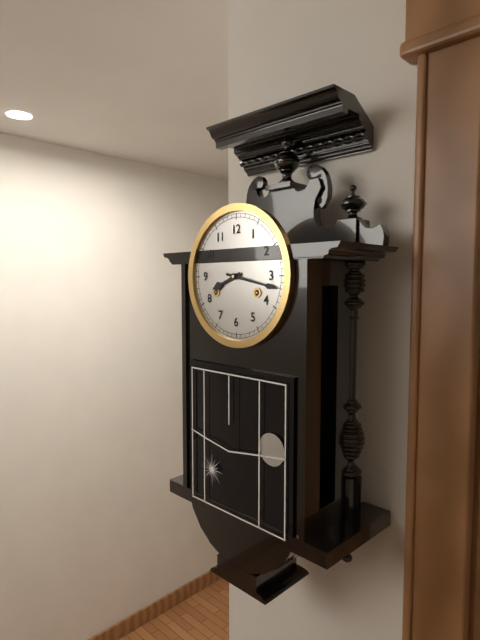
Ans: 8:17
